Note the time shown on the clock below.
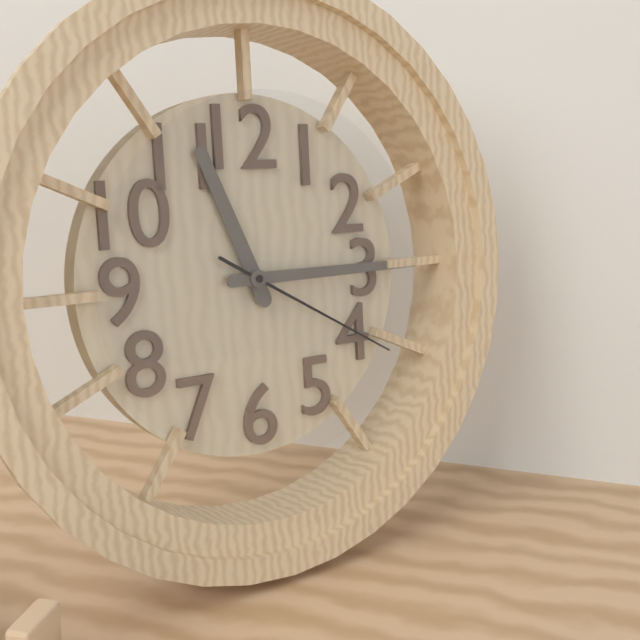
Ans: 11:15:20
